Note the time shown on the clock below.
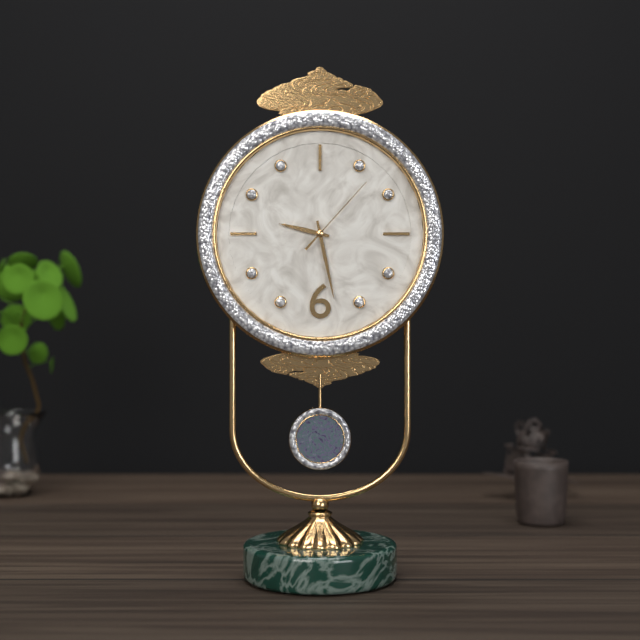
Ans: 9:28:07
